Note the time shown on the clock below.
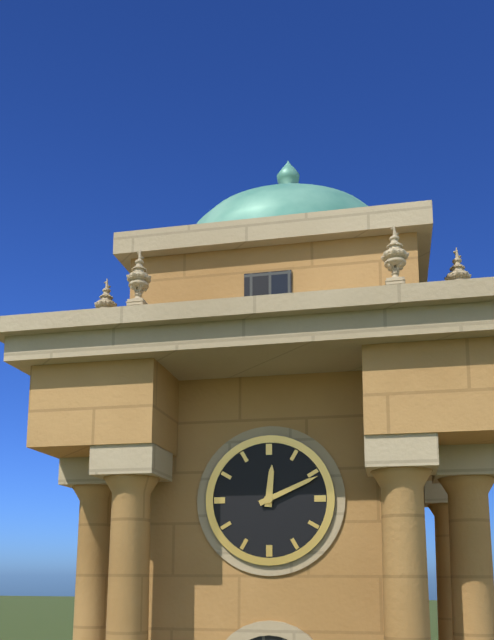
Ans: 12:11
